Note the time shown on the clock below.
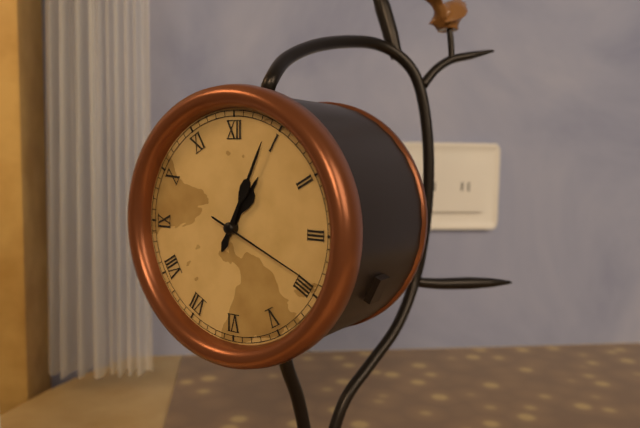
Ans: 1:04:19
